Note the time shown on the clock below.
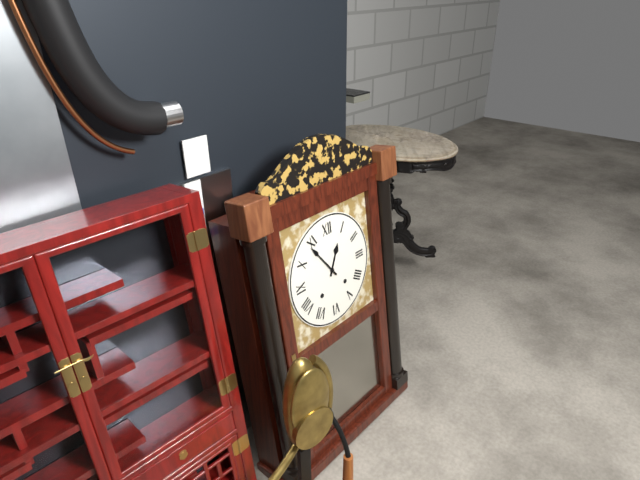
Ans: 12:54
